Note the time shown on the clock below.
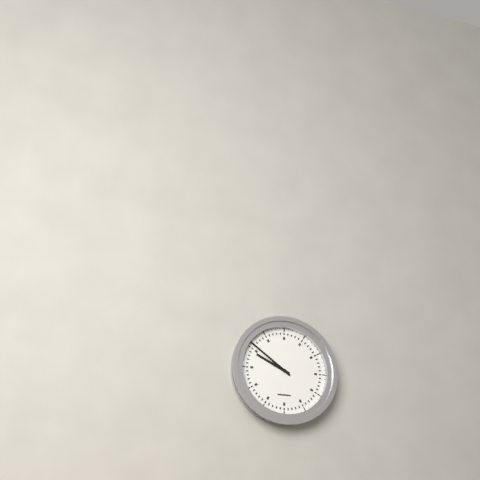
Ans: 9:51
